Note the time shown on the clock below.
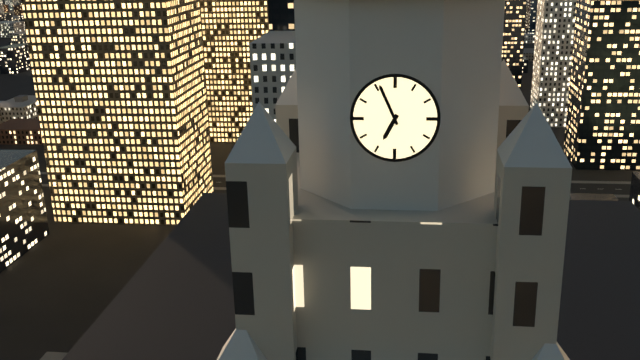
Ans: 6:56
